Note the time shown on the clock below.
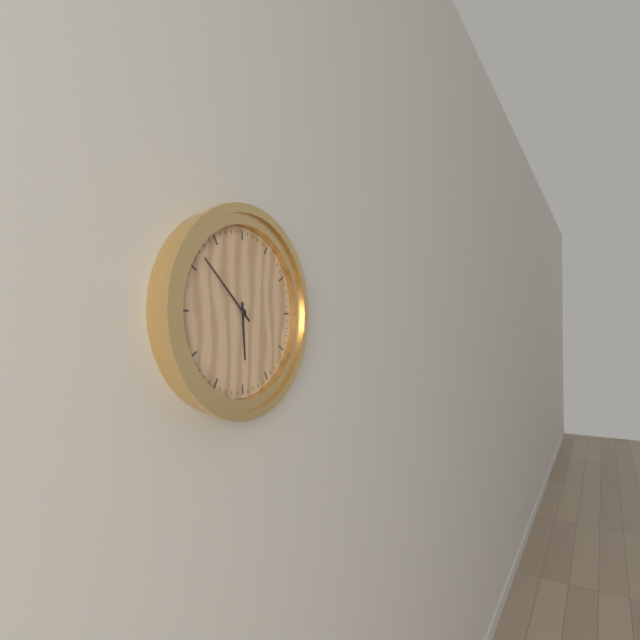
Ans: 5:52
